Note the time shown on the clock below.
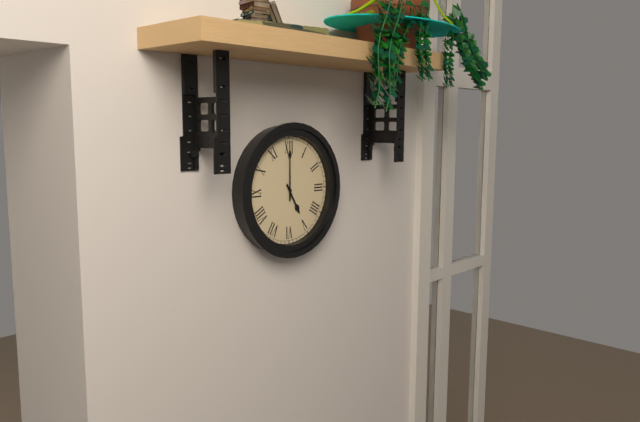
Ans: 5:00
